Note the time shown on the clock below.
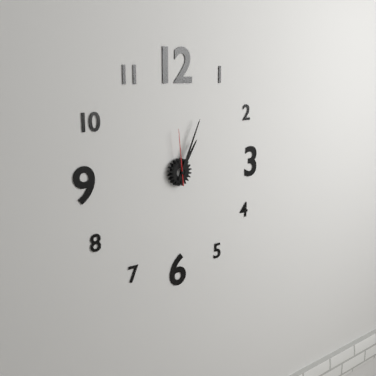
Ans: 1:04:59
